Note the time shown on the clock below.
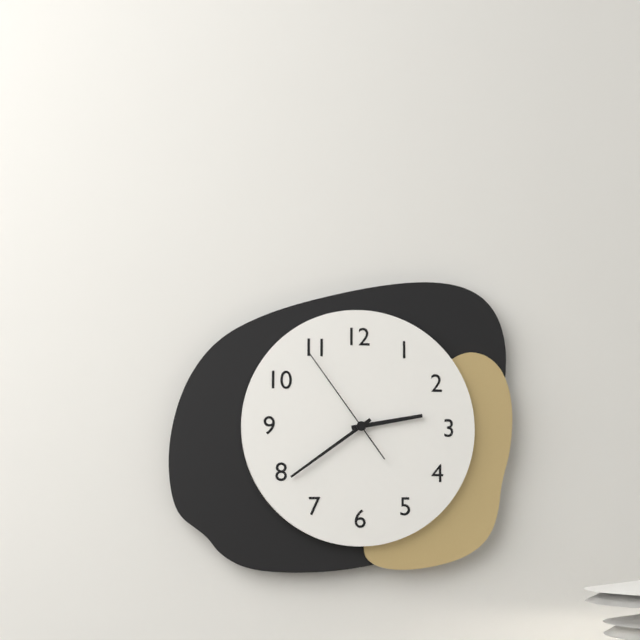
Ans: 2:39:54
